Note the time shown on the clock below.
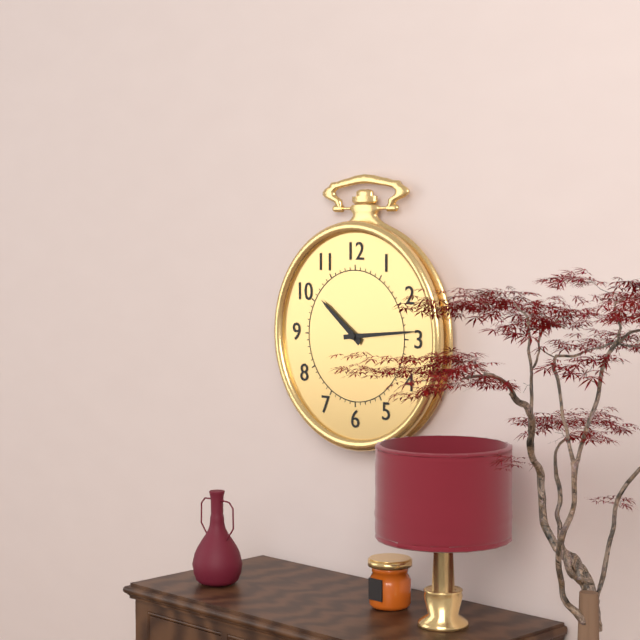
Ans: 10:14
